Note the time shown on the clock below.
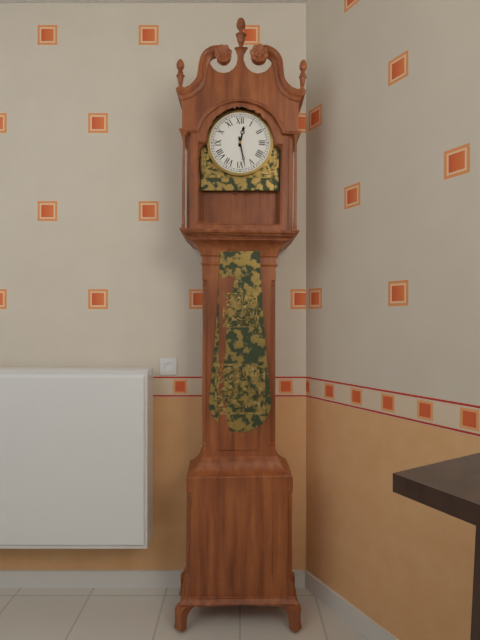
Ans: 12:28
